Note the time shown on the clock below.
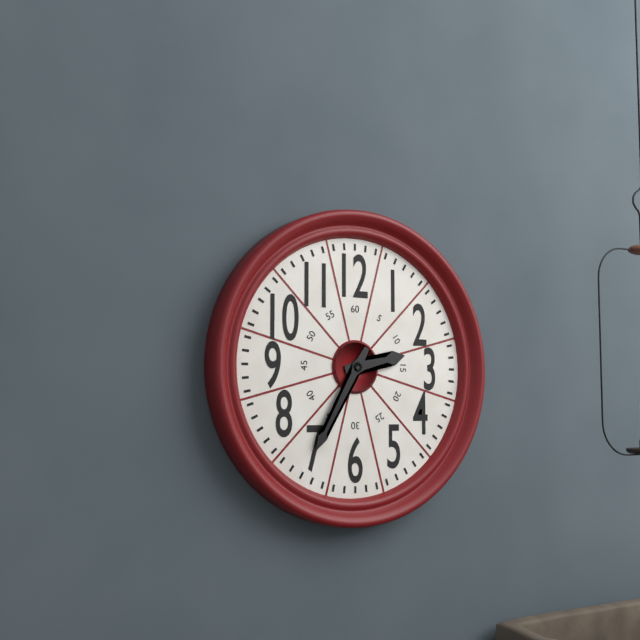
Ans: 2:35
